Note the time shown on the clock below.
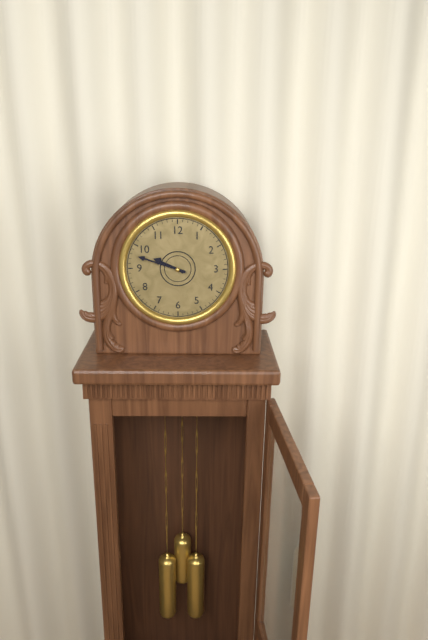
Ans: 9:48
